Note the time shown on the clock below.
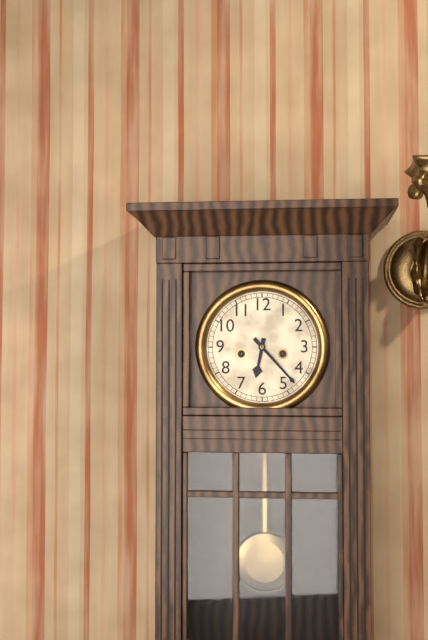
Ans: 6:23
